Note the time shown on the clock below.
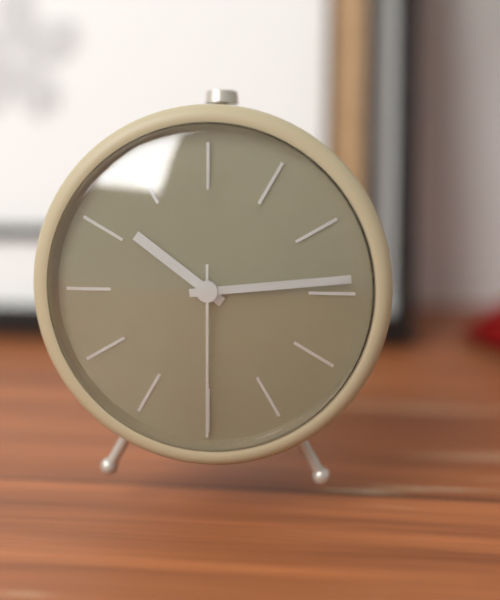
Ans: 10:14:30
